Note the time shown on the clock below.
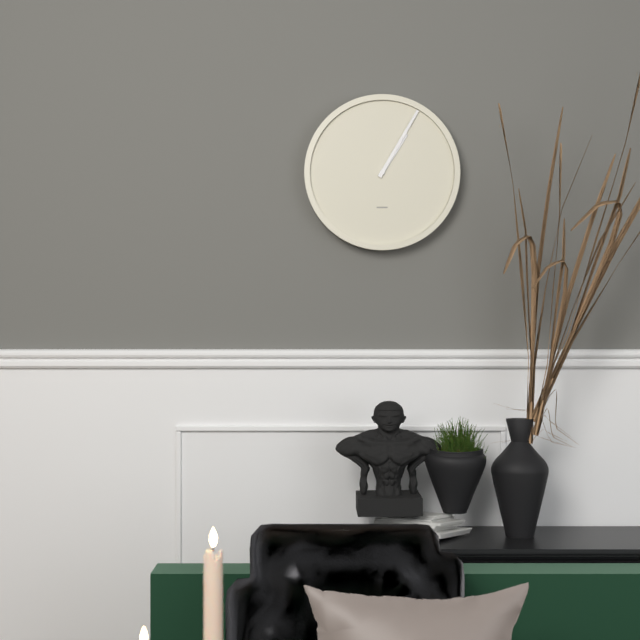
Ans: 1:05
